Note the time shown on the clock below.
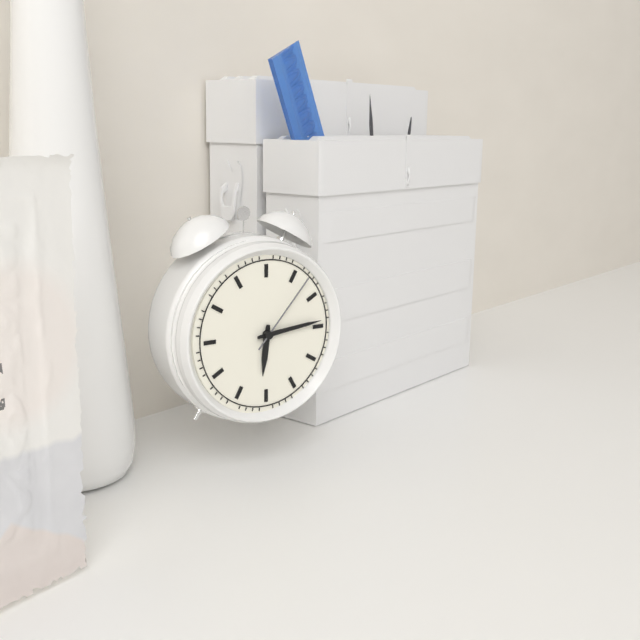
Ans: 6:14:07
